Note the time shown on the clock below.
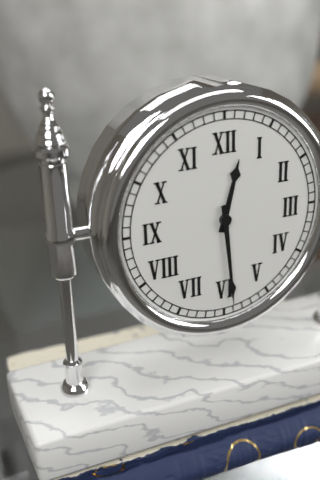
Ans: 12:29
